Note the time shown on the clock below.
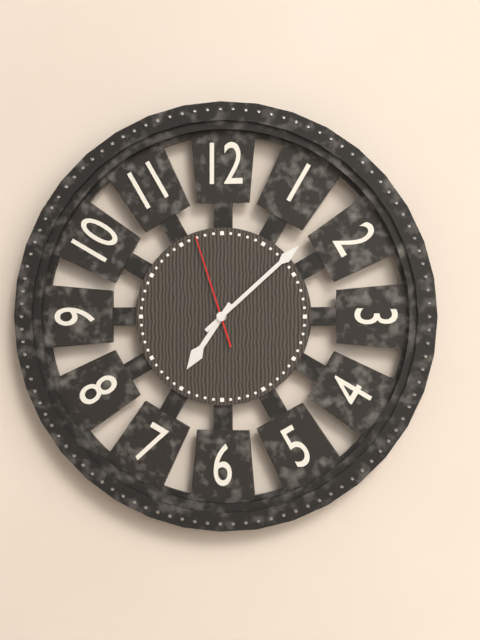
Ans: 7:08:57
